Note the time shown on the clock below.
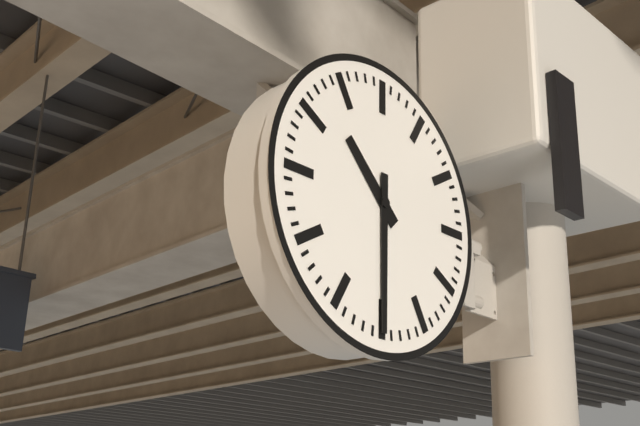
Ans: 10:30
